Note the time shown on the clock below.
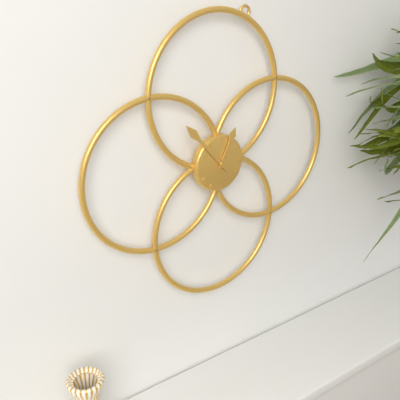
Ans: 12:53
